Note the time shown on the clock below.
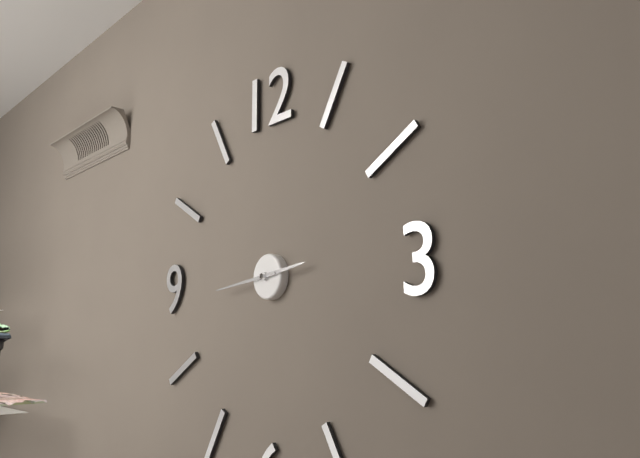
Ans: 2:44
